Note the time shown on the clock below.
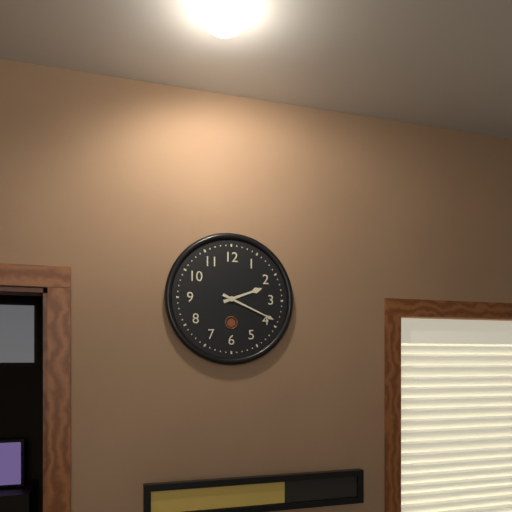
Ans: 2:19
